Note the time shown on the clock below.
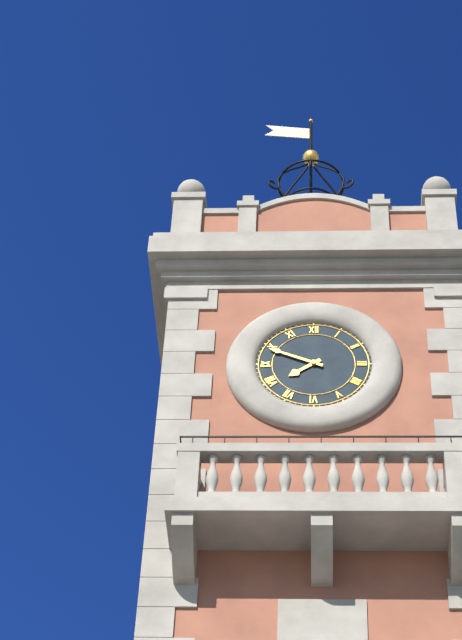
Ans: 7:49
